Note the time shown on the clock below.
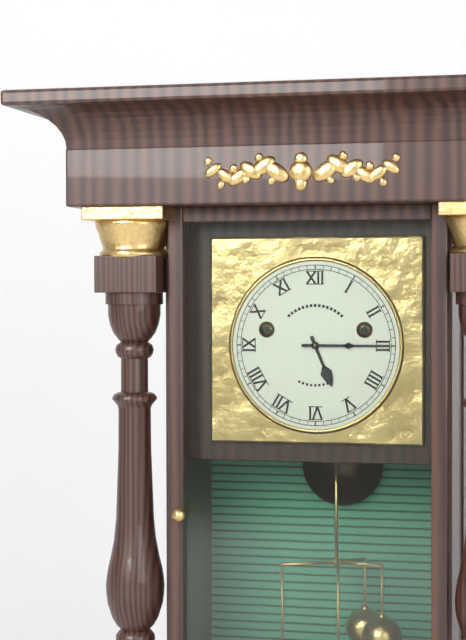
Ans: 5:15
